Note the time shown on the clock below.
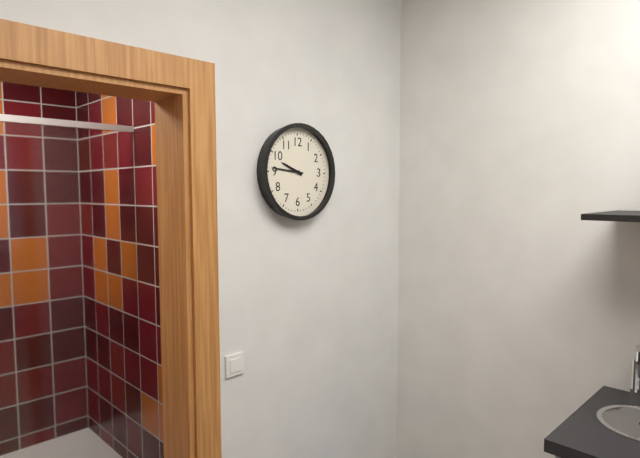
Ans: 9:46
